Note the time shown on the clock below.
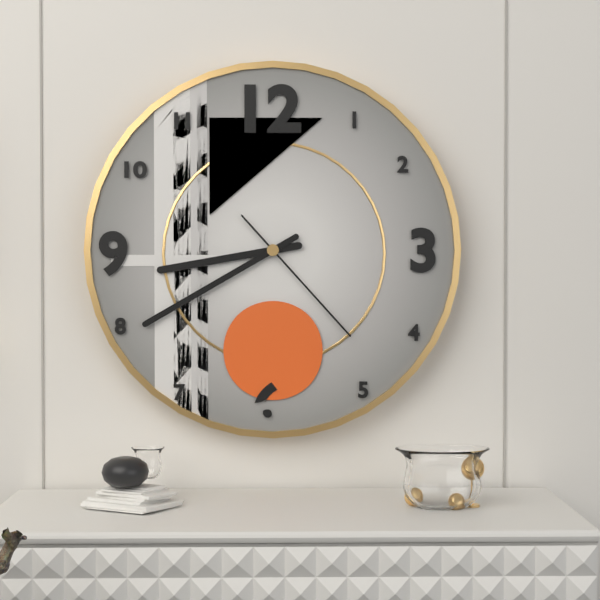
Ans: 8:40:23
